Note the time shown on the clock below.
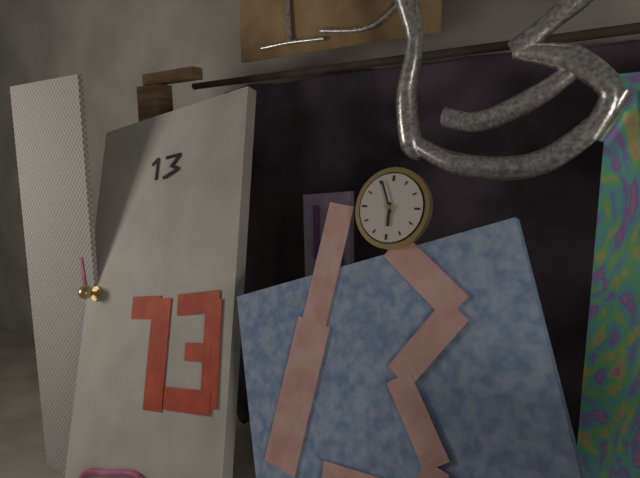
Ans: 5:56
